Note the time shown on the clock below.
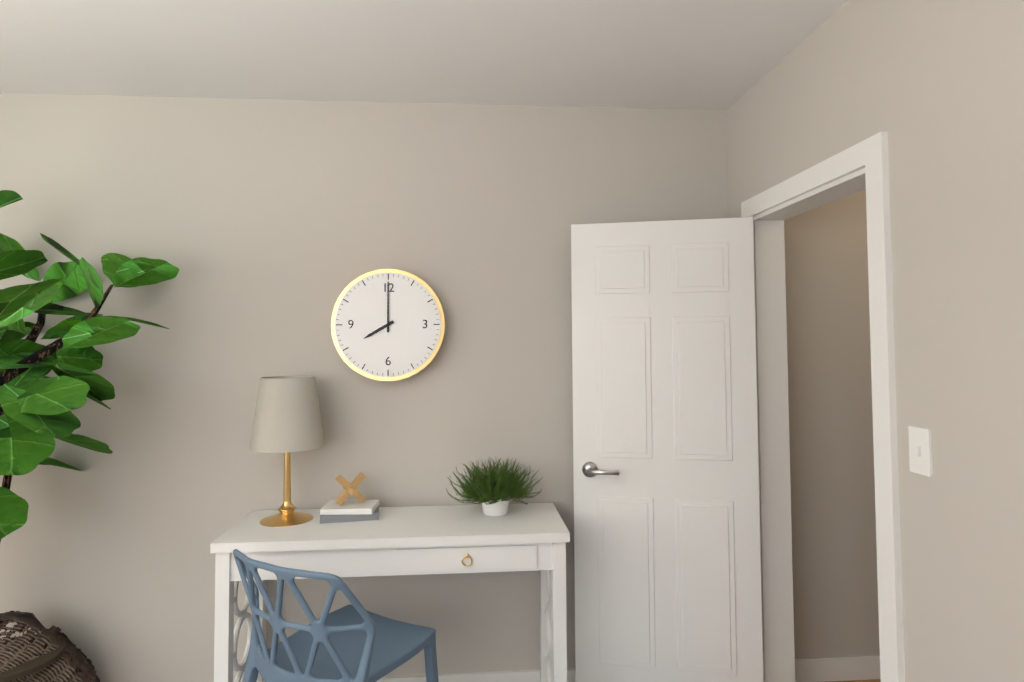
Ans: 8:00
